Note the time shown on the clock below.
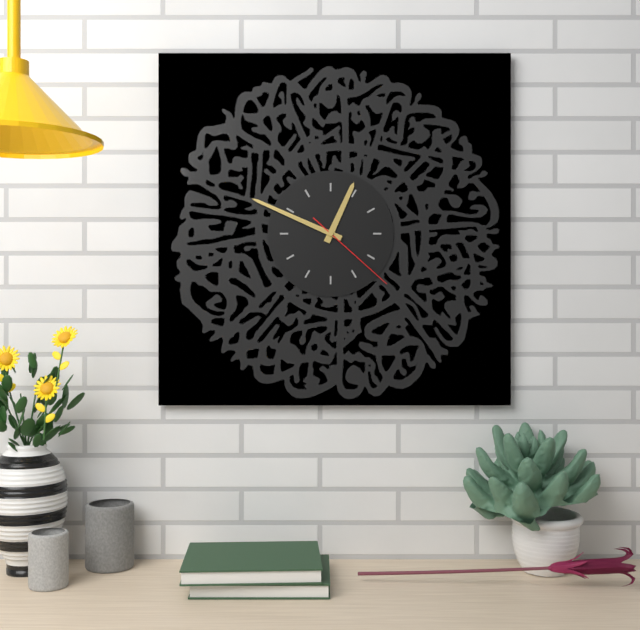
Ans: 12:49:22
